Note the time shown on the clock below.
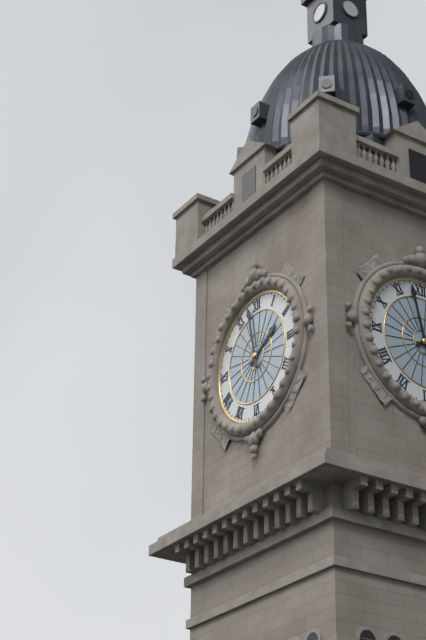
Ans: 1:58
